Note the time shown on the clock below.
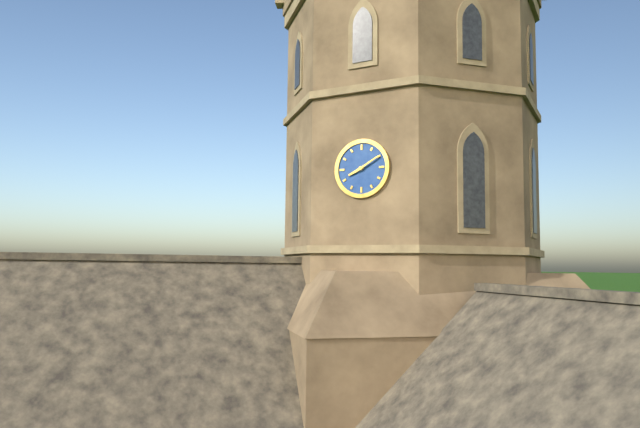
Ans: 8:10
